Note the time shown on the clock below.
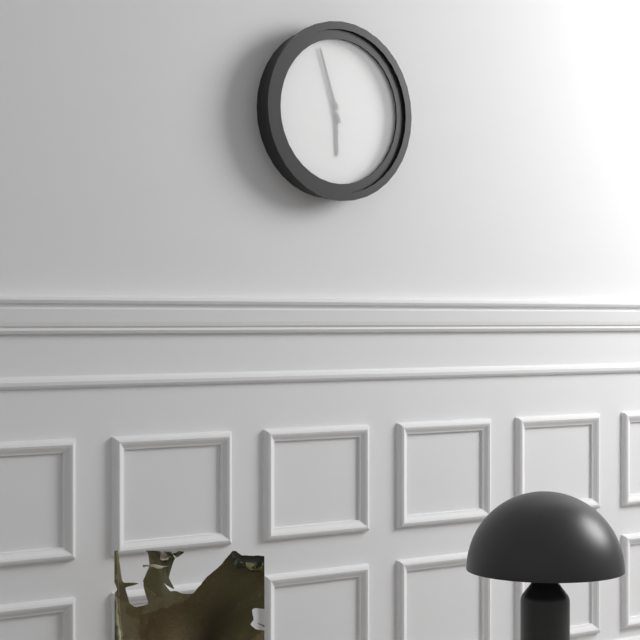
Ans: 5:57
